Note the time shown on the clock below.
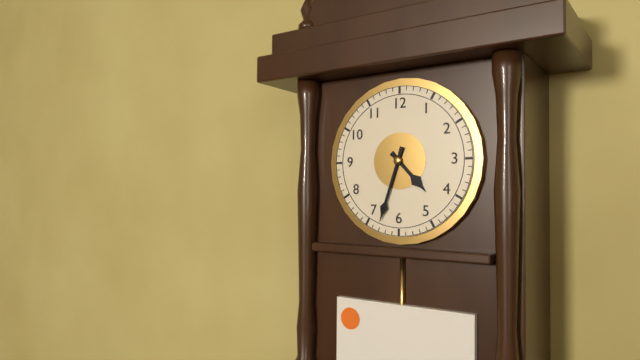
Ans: 4:33
